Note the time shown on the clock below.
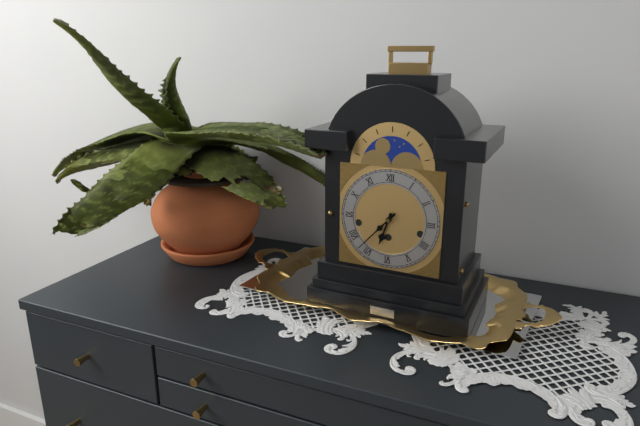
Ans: 6:37
